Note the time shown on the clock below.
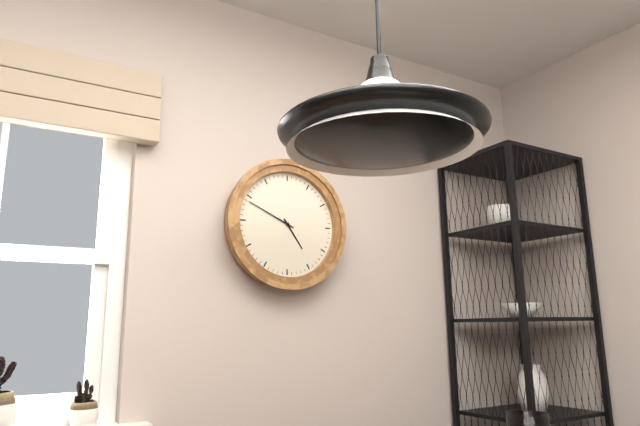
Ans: 4:49
